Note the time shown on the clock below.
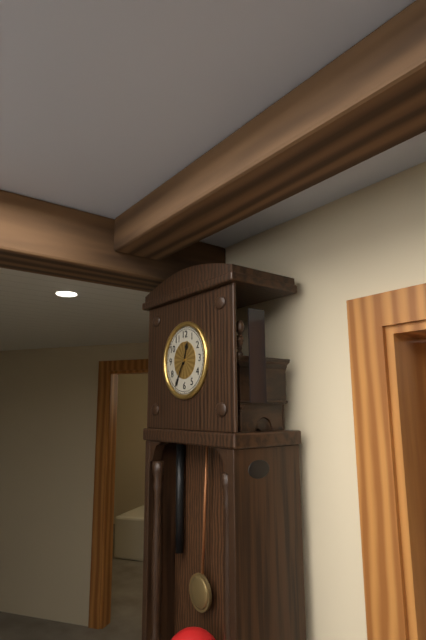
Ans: 12:35
